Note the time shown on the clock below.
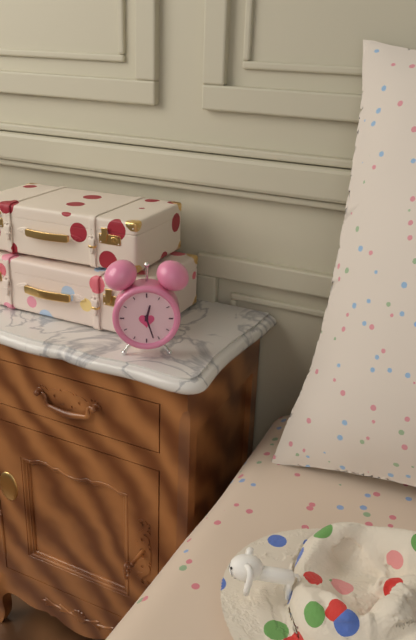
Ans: 12:27
